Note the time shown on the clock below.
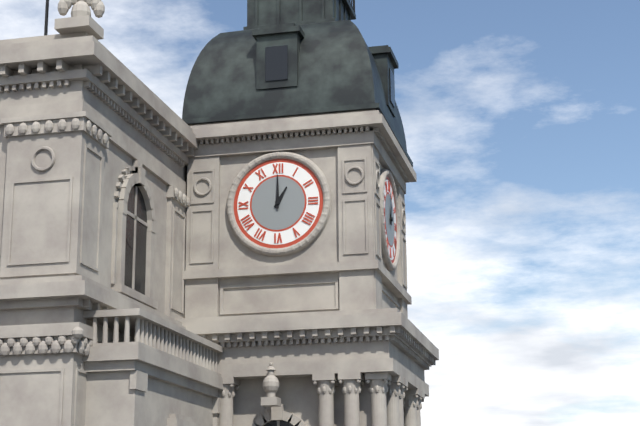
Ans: 1:00
